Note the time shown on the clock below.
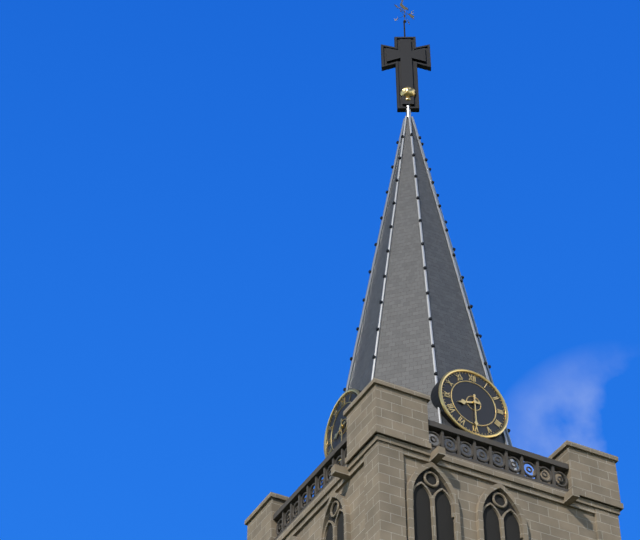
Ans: 8:30
